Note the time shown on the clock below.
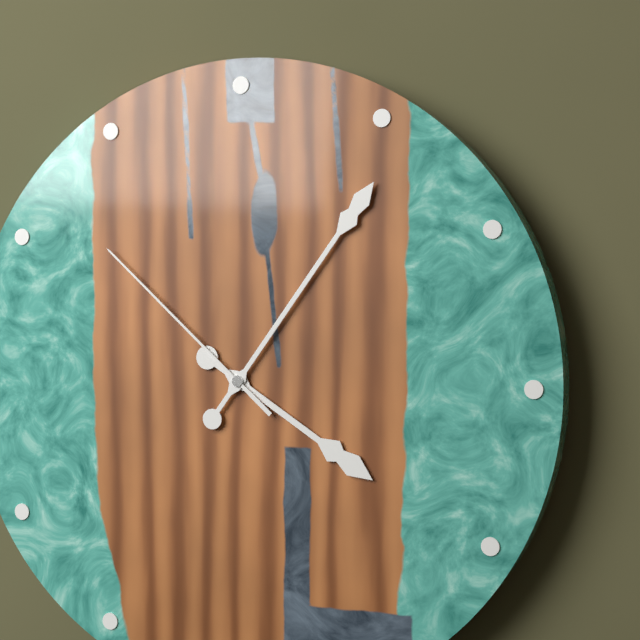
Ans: 4:06:52
